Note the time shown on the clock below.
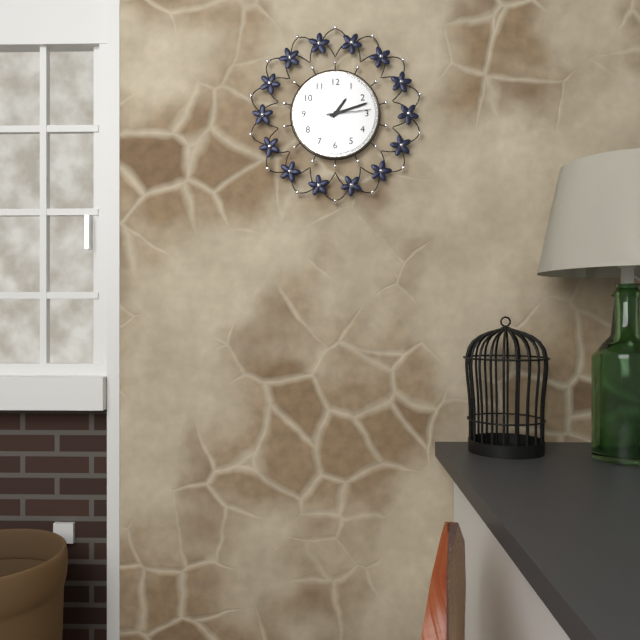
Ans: 1:12
